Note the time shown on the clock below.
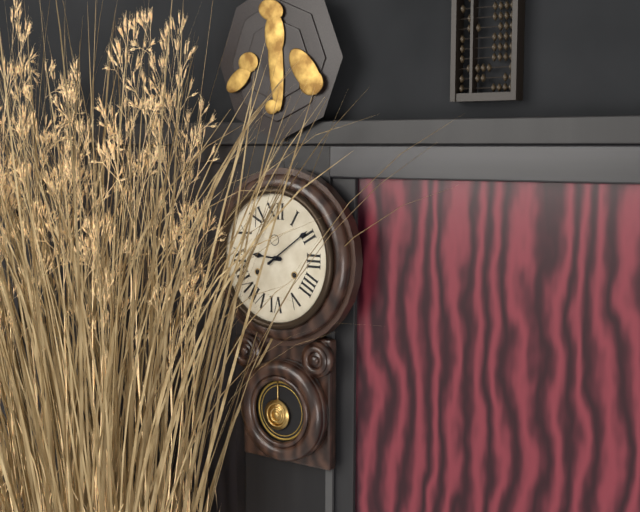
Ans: 9:09
